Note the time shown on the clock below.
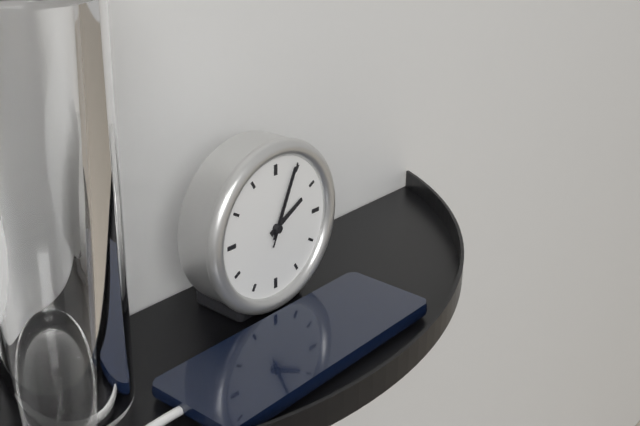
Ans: 2:04:04
